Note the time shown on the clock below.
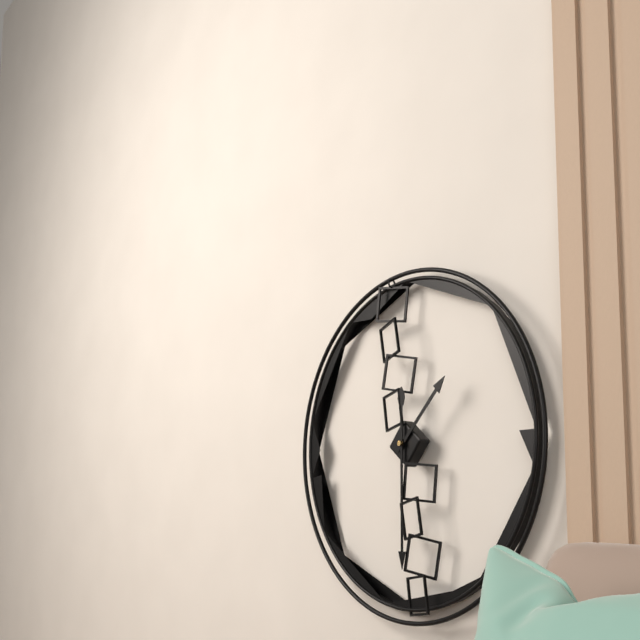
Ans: 1:30
